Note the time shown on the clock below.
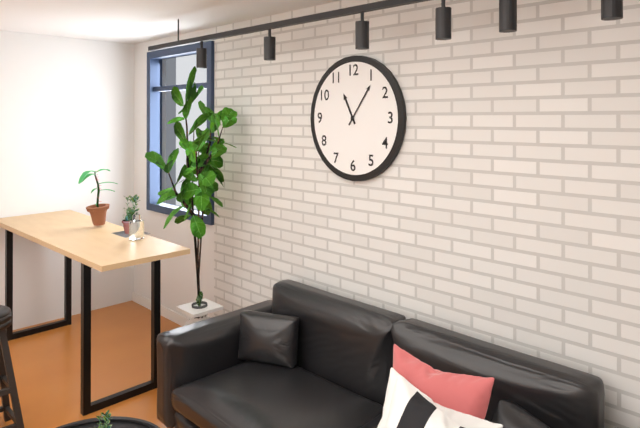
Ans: 11:06
